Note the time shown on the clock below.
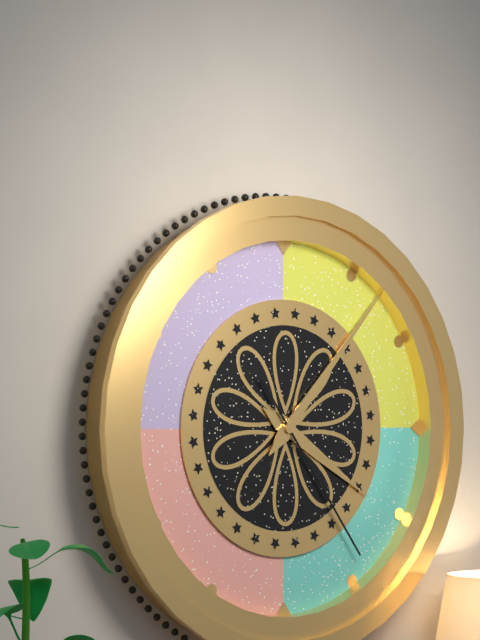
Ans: 4:07:24
